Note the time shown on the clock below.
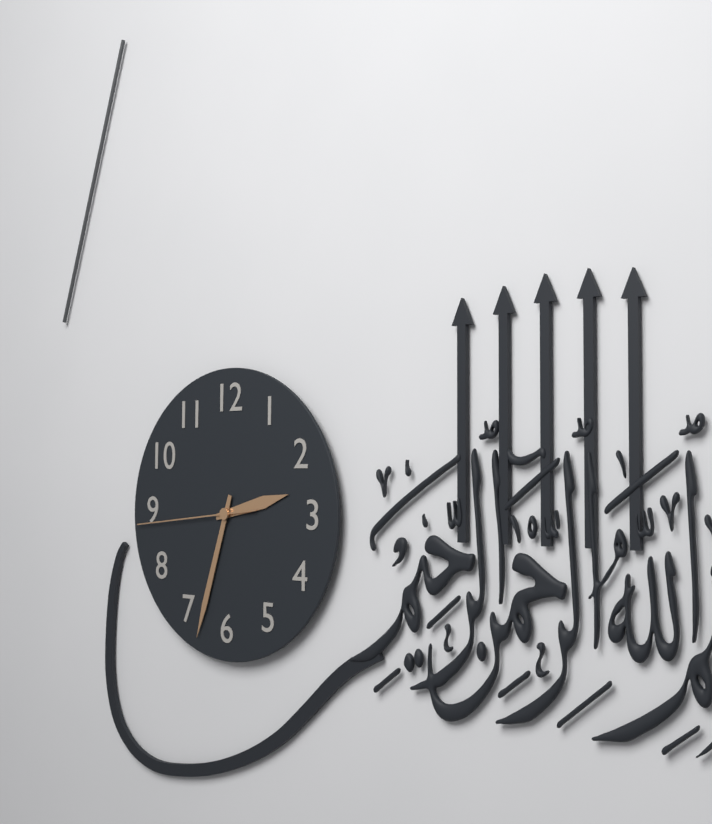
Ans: 2:33:44
